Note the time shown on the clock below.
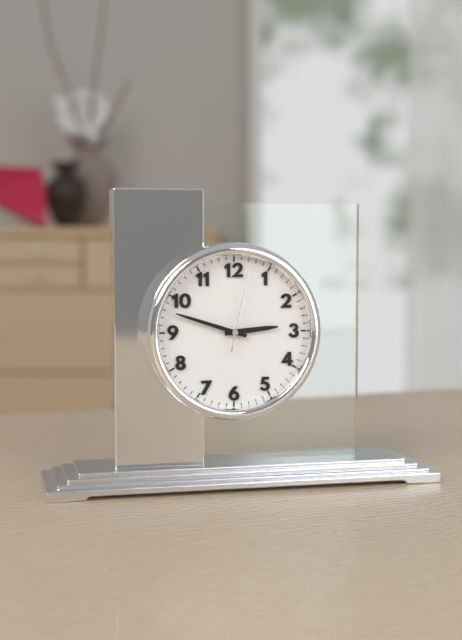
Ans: 2:48:02
